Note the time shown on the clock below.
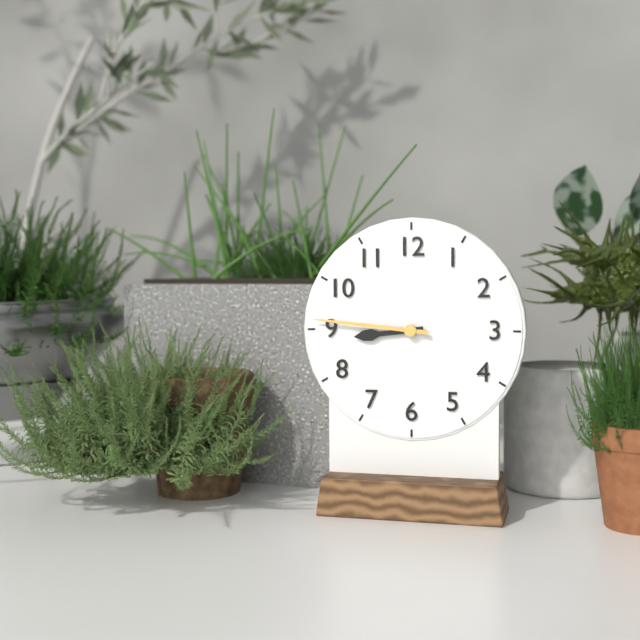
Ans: 8:46
